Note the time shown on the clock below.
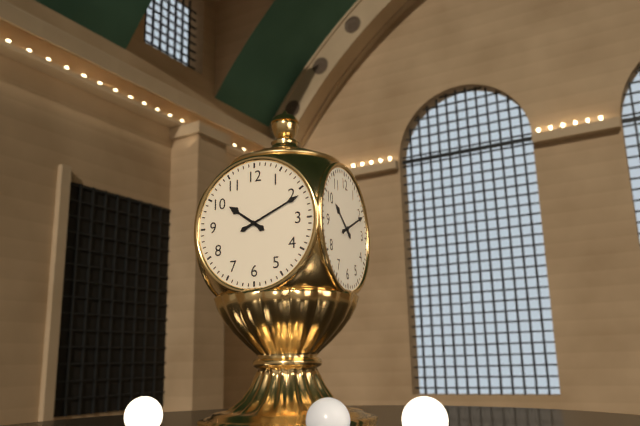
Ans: 10:11
